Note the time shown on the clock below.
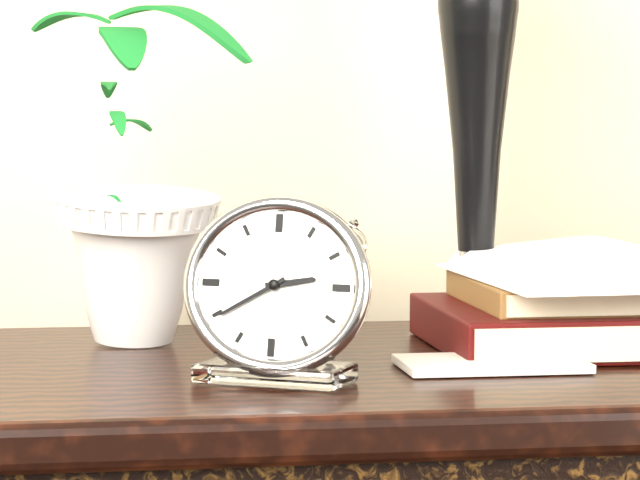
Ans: 2:40
